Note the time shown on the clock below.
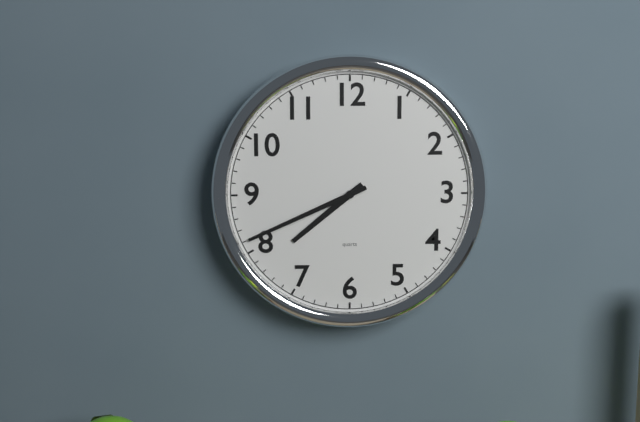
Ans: 7:41
